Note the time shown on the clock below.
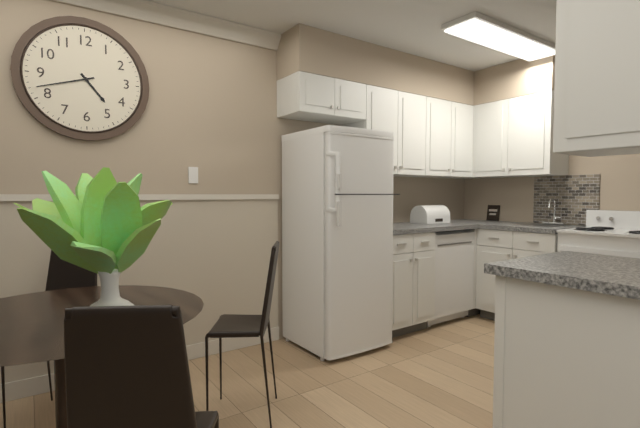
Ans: 4:42
